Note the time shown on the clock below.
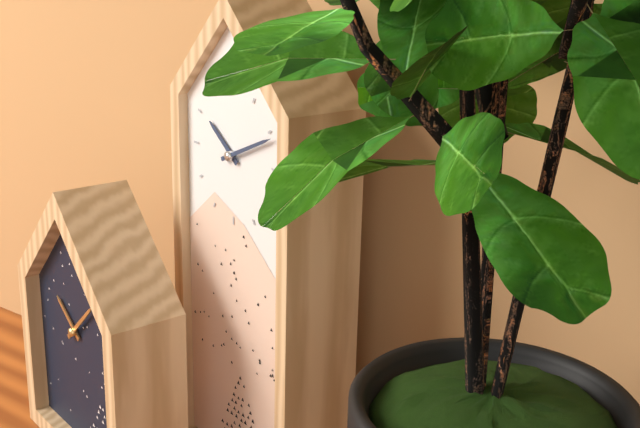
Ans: 10:11
